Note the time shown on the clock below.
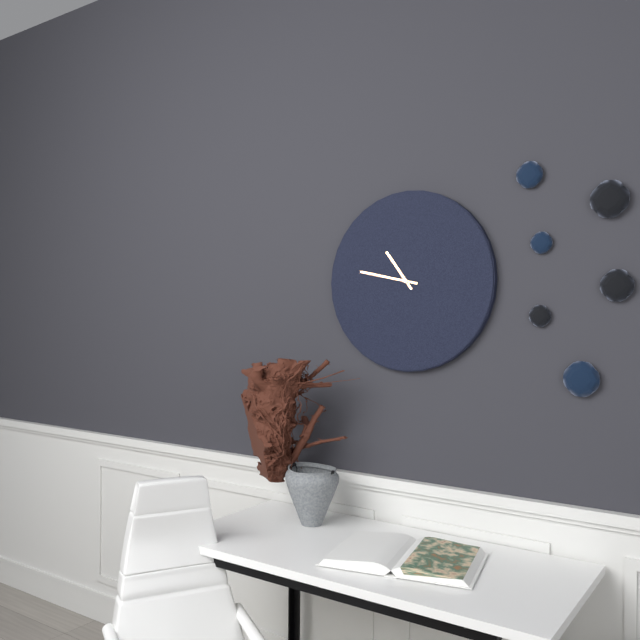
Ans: 10:47
